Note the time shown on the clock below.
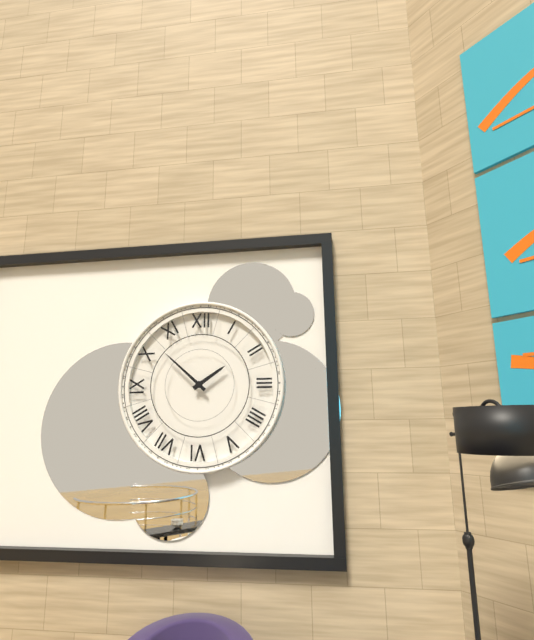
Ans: 1:52
